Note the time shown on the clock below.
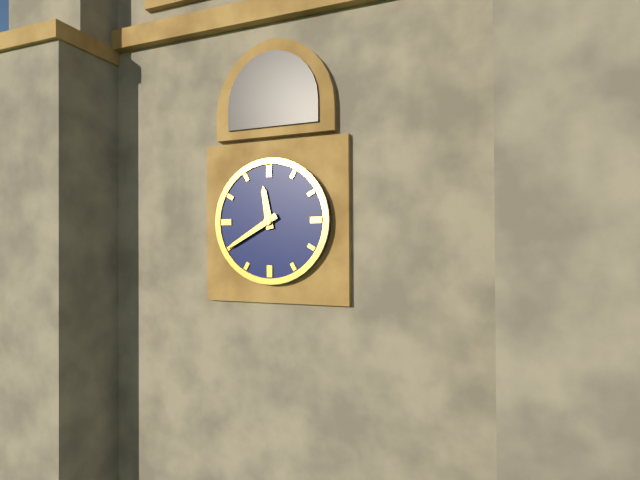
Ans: 11:40
